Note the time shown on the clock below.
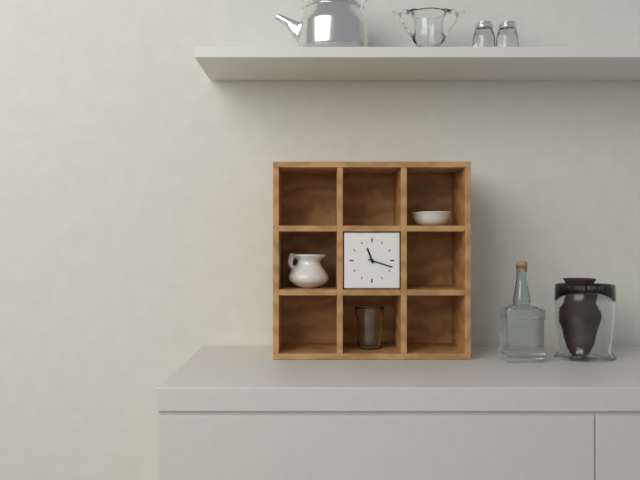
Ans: 11:18
